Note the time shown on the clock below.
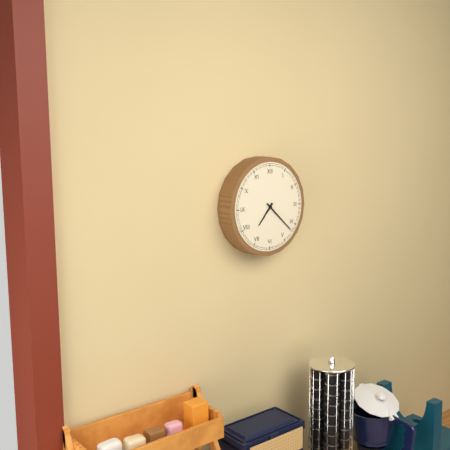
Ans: 7:22
